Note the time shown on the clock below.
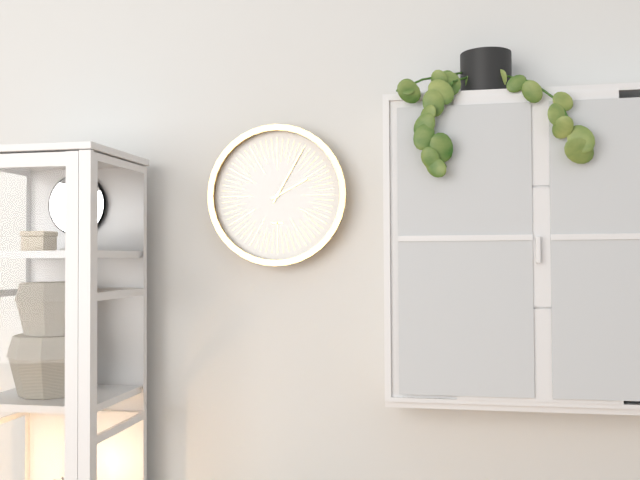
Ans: 2:05
